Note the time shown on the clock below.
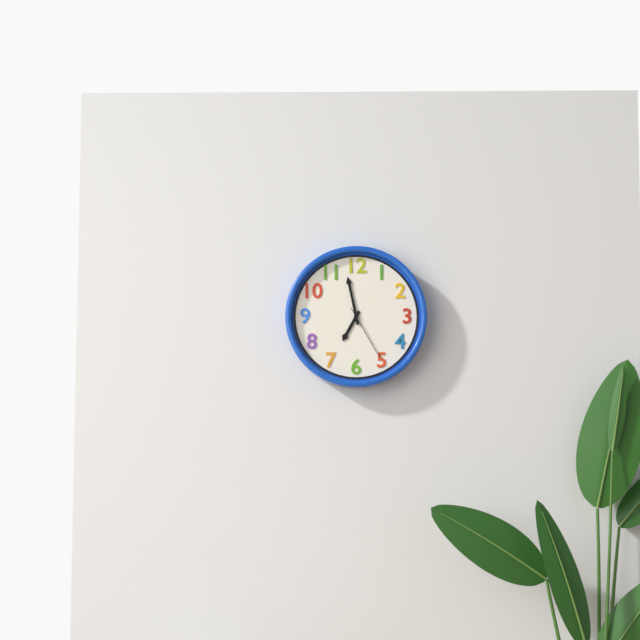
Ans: 6:58:25
